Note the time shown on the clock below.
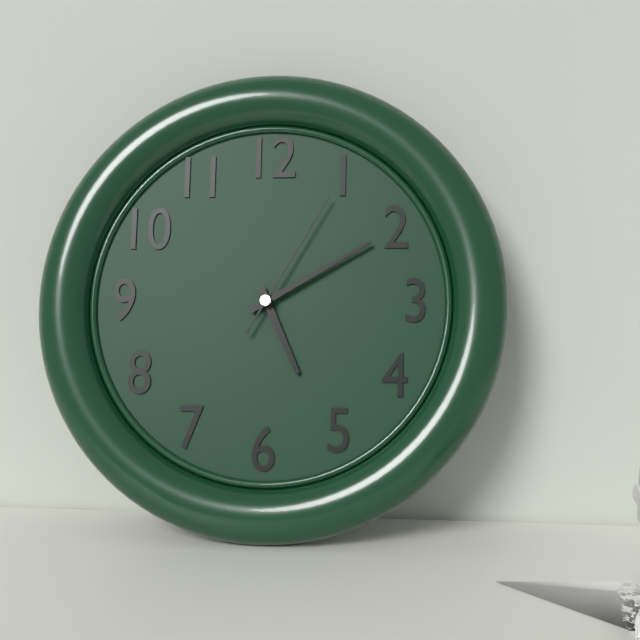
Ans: 5:10:05
